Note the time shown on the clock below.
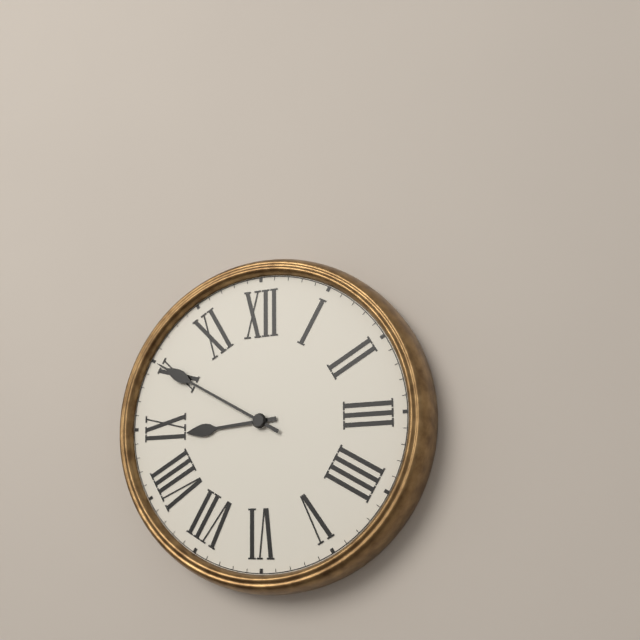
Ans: 8:50
